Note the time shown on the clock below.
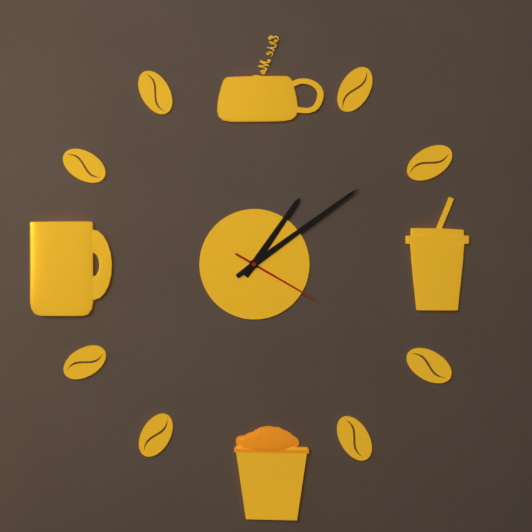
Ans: 1:09:20
